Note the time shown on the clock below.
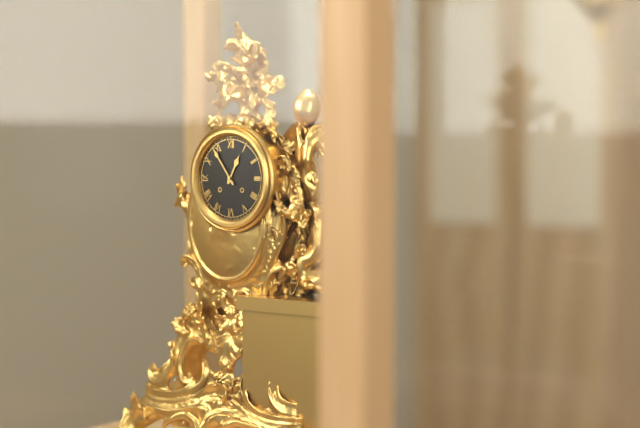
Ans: 12:54
